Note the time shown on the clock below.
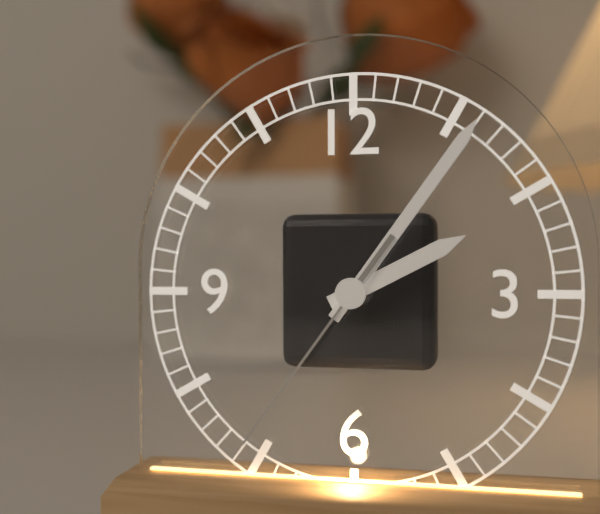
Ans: 2:06:36
